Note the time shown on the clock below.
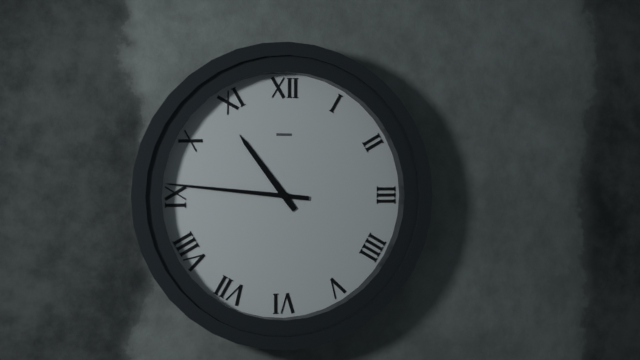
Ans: 10:46
